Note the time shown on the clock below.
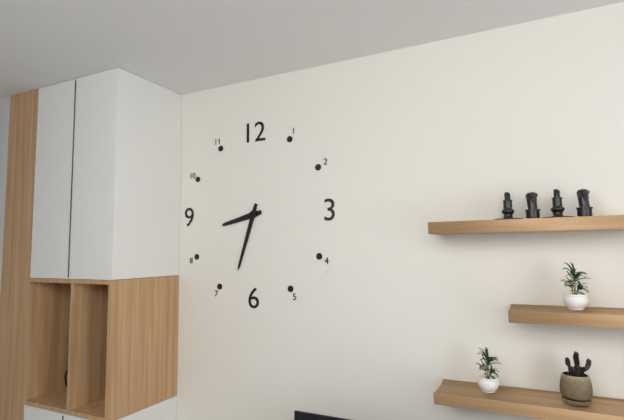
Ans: 8:33
